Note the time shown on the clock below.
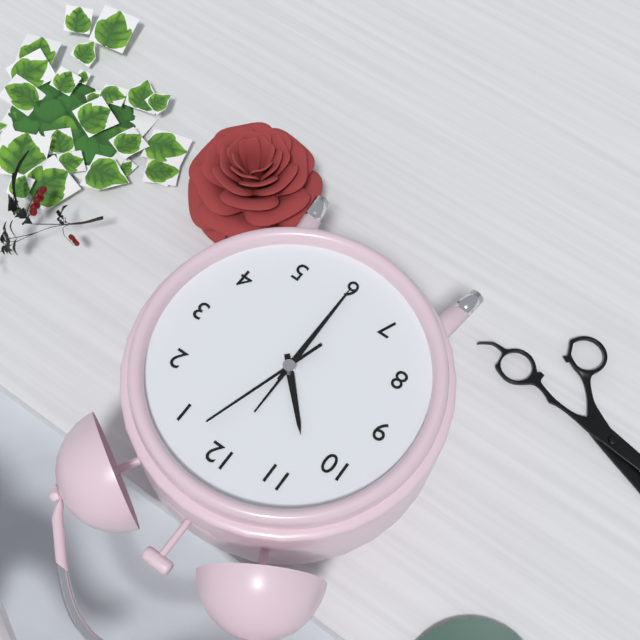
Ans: 10:30:03
